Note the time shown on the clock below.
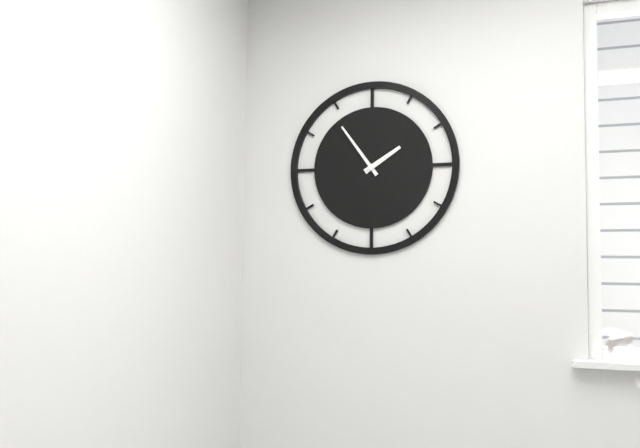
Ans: 1:54
